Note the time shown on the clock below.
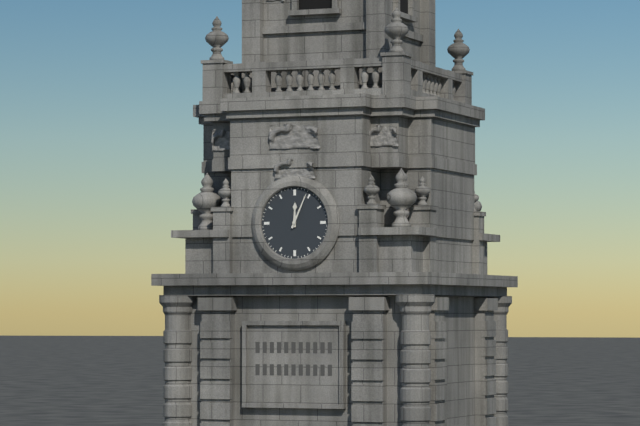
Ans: 12:04
